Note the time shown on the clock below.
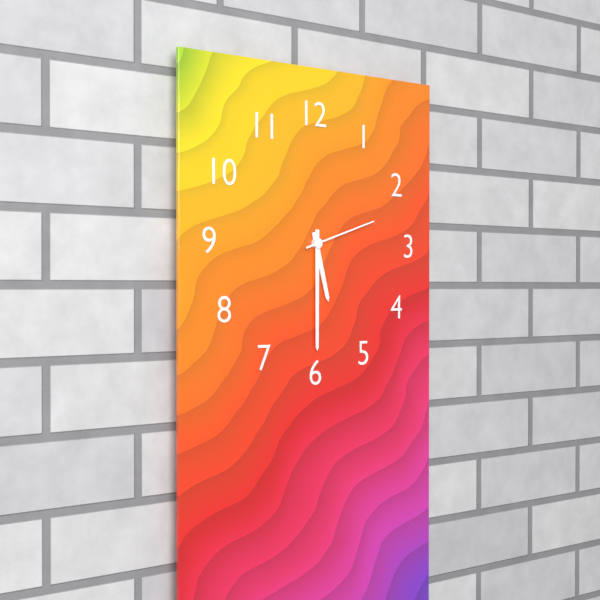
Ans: 5:30:12
